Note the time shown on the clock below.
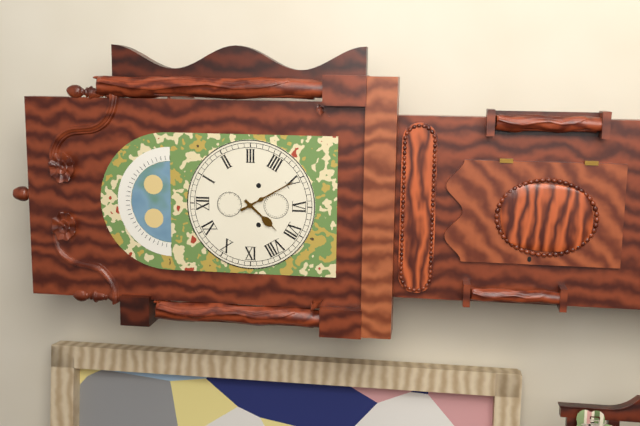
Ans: 7:25
